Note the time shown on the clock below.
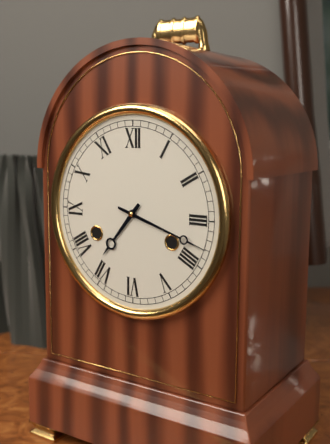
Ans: 7:18
